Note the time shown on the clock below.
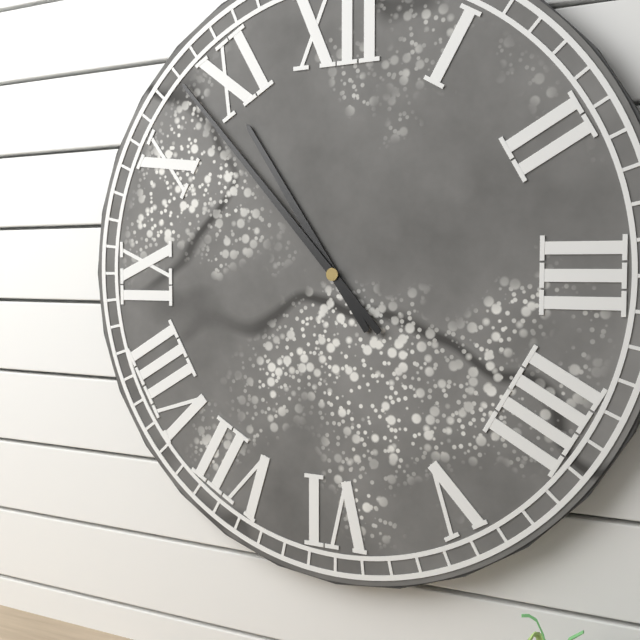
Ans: 10:53
